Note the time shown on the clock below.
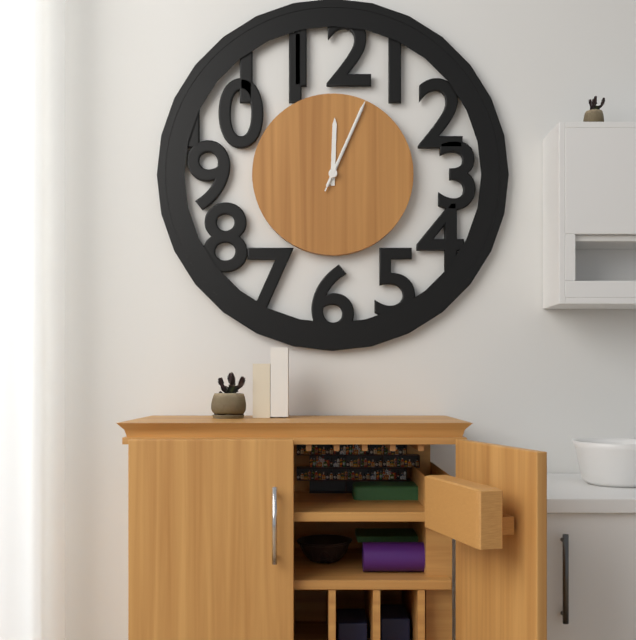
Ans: 12:04:04
